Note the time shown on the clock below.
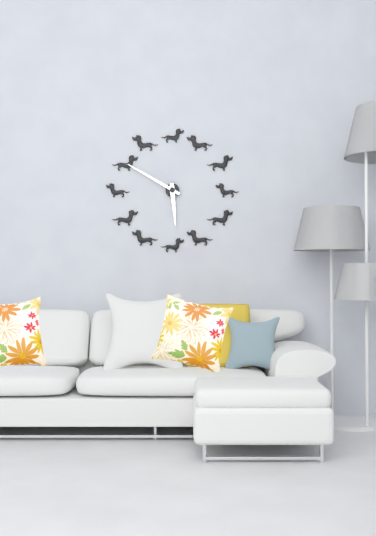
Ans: 5:50
